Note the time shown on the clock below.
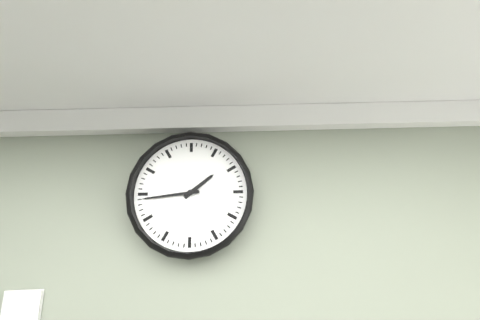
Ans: 1:44
